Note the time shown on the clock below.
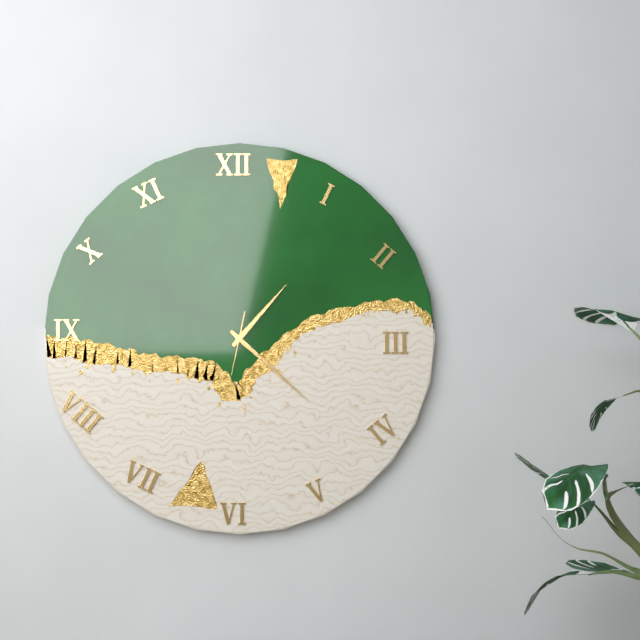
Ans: 1:22:32
